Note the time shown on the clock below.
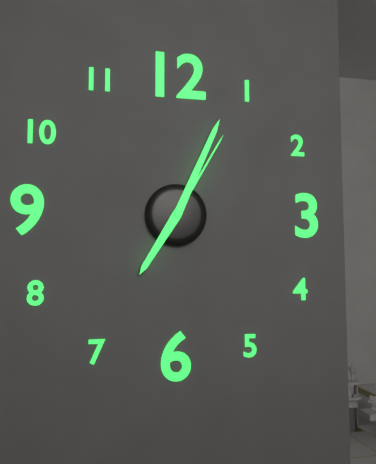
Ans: 7:04:05
